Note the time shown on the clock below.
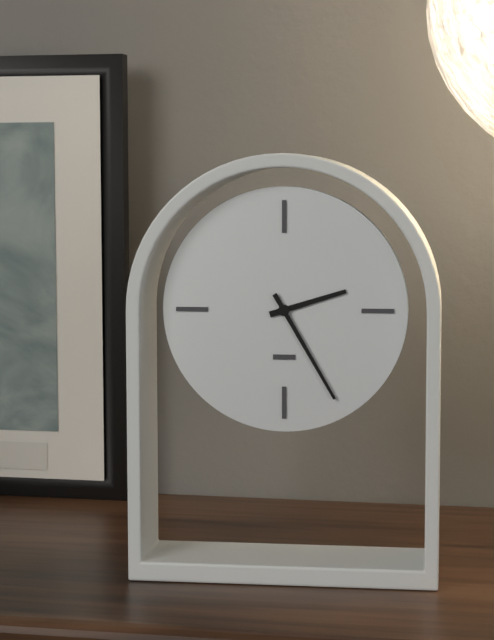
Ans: 2:25
